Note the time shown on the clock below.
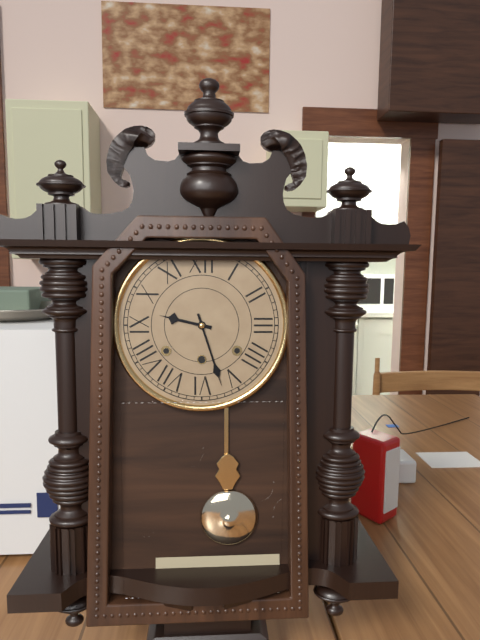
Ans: 9:27
